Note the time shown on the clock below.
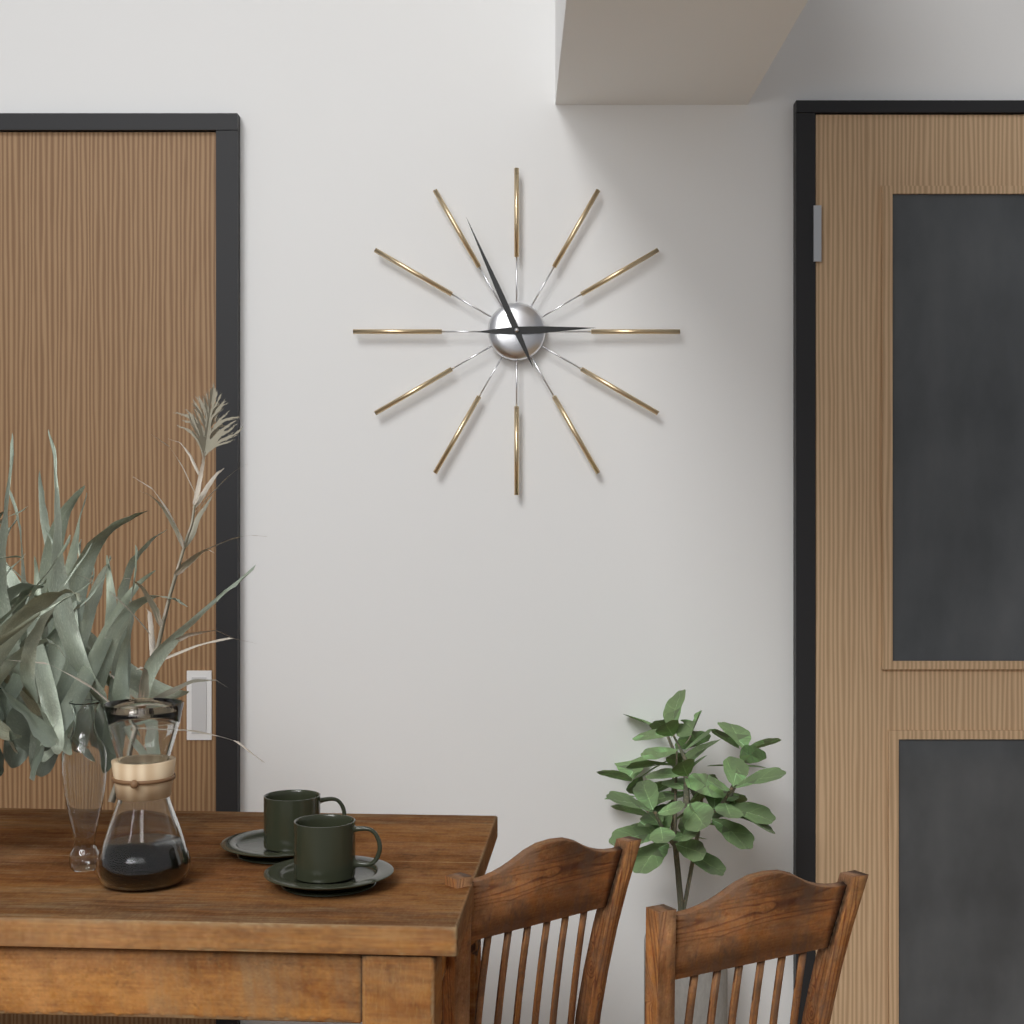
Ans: 2:56
